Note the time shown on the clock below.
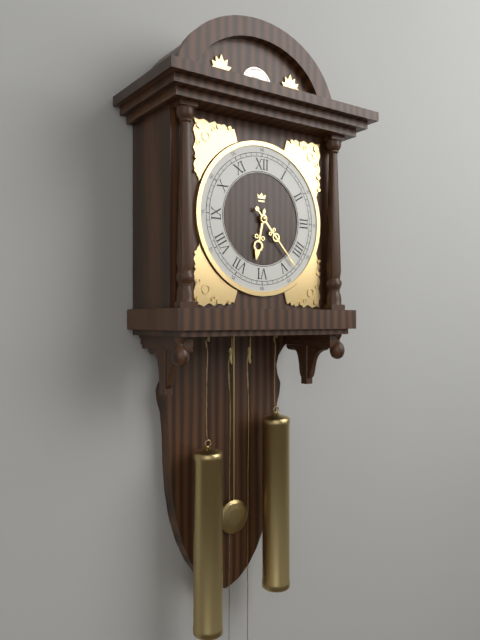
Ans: 6:23
